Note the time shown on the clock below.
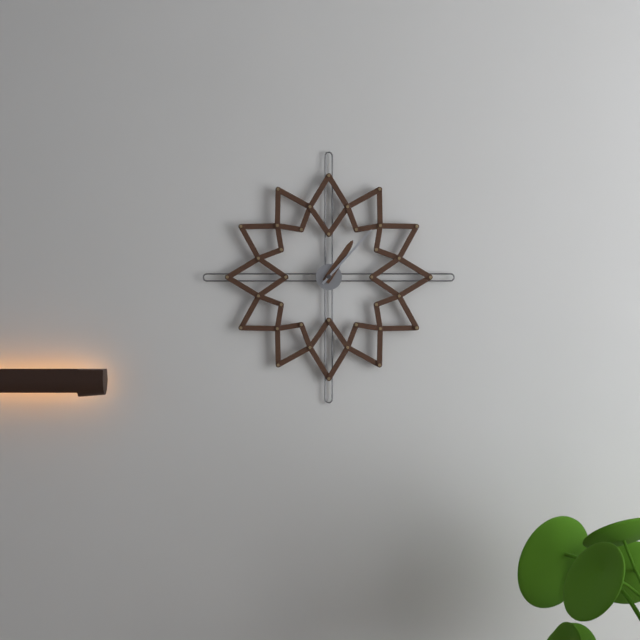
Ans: 1:07
